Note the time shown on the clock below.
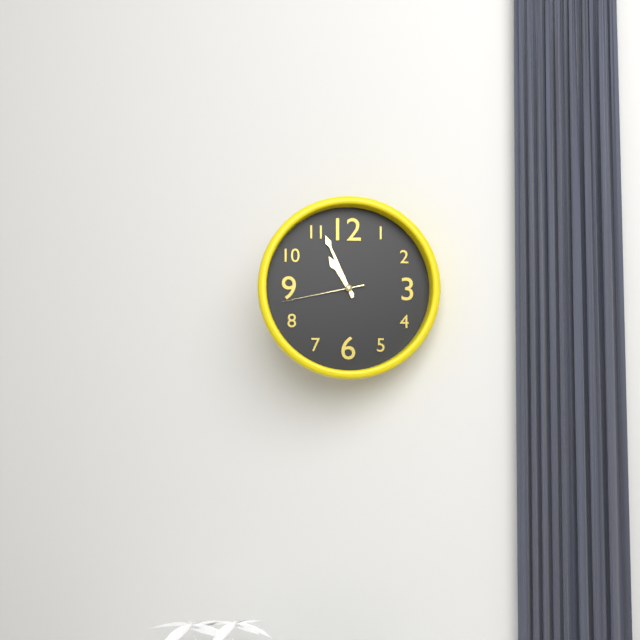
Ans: 10:56:43
